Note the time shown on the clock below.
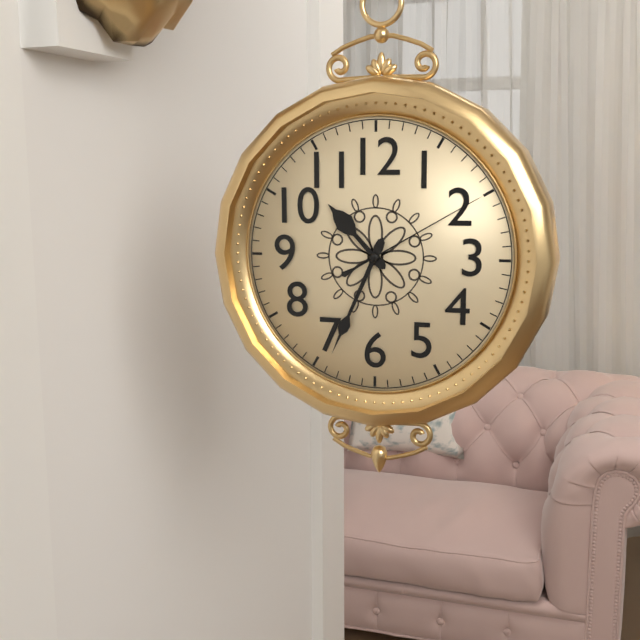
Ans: 10:34:10
